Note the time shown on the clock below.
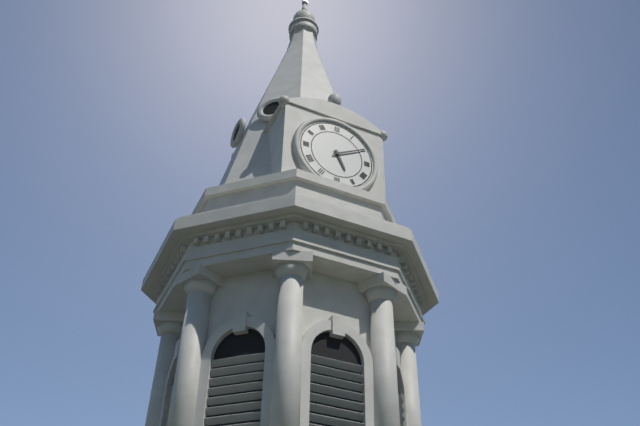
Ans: 5:10
